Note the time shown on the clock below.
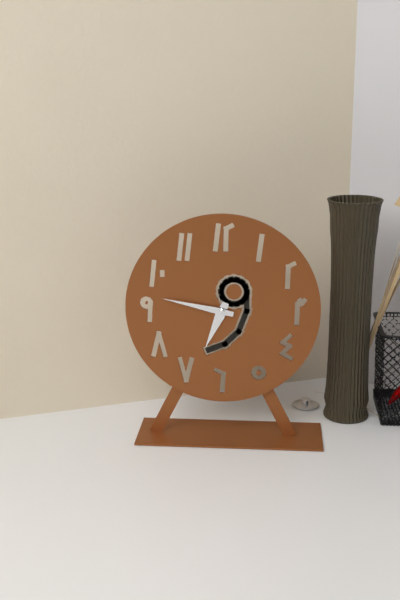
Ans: 6:47
